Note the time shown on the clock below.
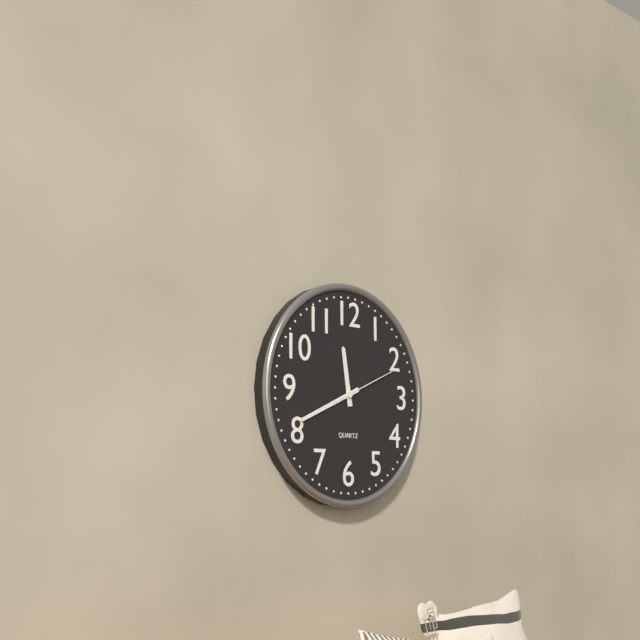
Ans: 11:41:11
